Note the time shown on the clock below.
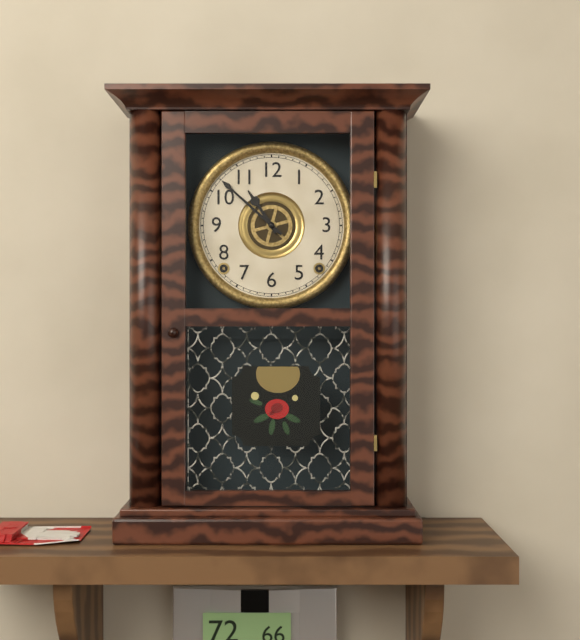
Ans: 10:52
